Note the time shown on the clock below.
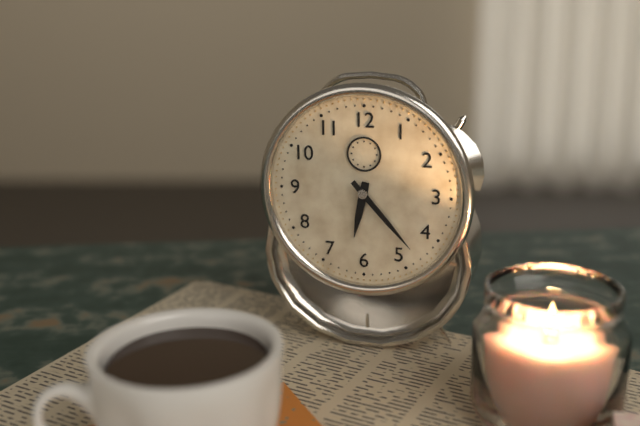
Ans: 6:23
